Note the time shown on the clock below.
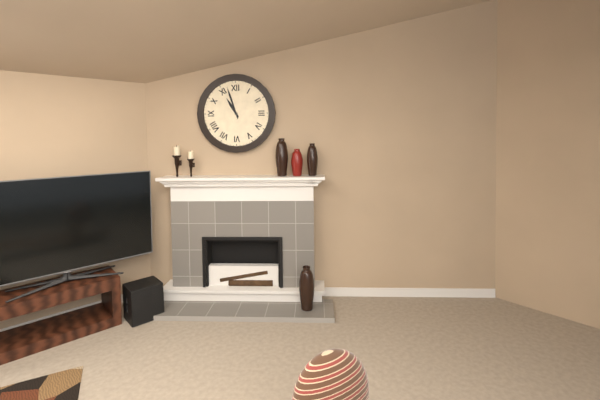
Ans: 10:57
